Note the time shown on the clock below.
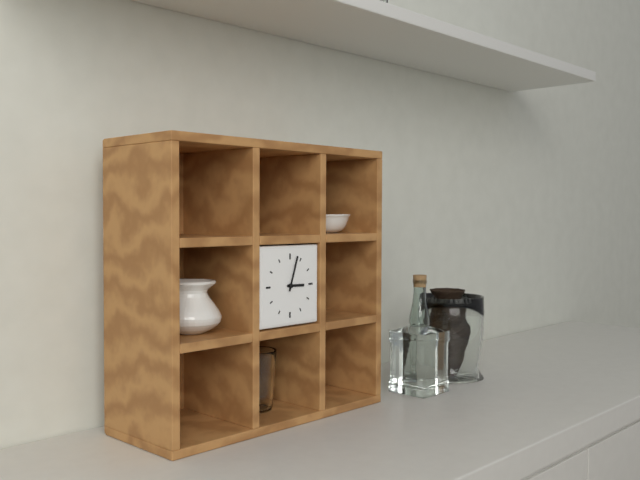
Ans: 3:03
